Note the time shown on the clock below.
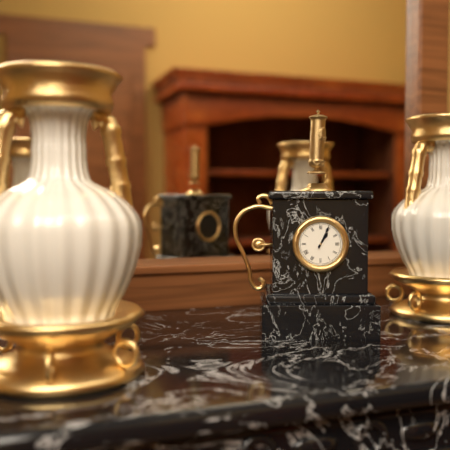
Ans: 1:04
